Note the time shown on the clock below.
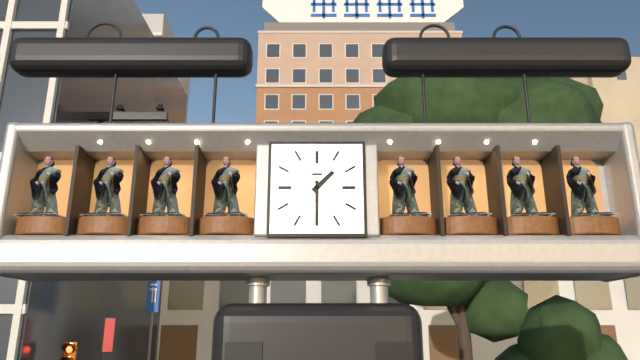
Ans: 1:30
